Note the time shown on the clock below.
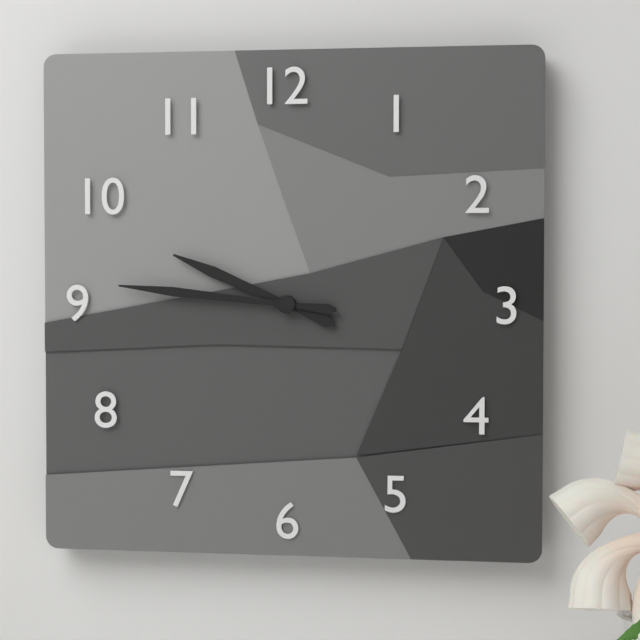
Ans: 9:46
